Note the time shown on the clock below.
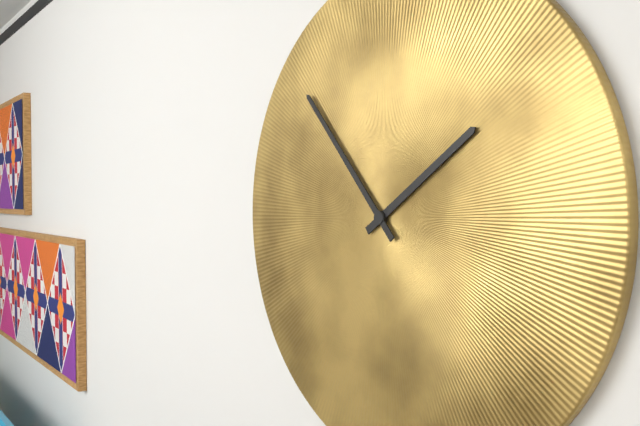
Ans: 1:53
